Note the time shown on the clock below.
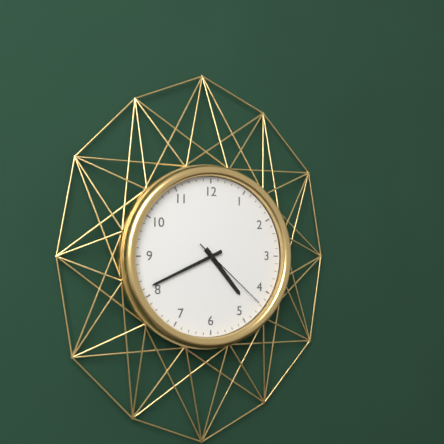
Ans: 4:41:22
